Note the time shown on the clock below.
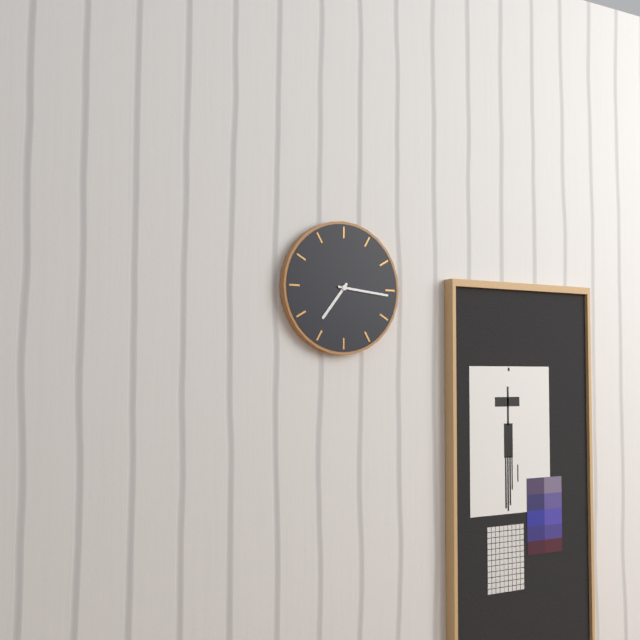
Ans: 7:16
